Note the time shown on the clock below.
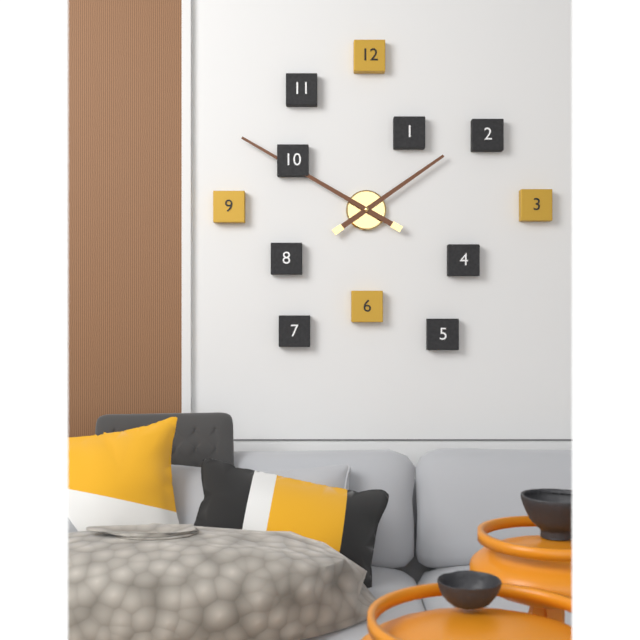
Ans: 1:50
